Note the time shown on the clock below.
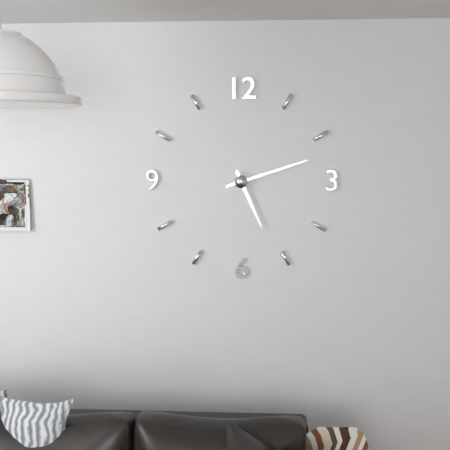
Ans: 5:12
